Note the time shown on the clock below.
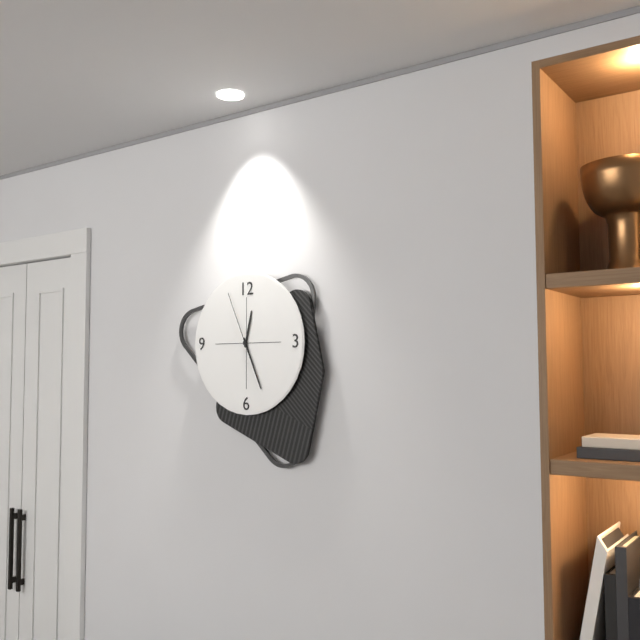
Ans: 12:26:56
